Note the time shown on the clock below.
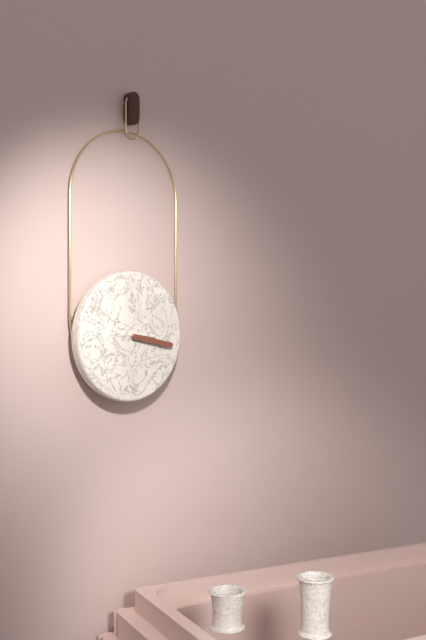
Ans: 3:17
